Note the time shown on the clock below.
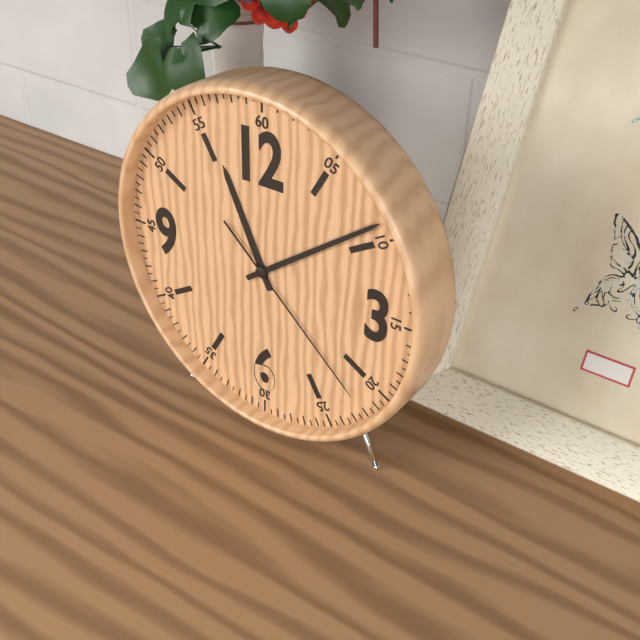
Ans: 11:09:22
